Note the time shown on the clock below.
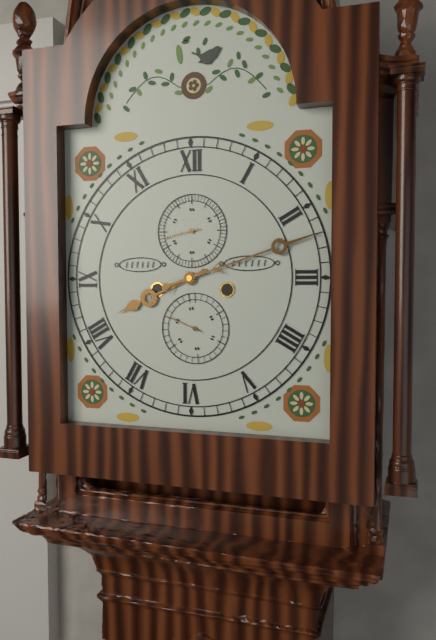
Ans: 8:12
